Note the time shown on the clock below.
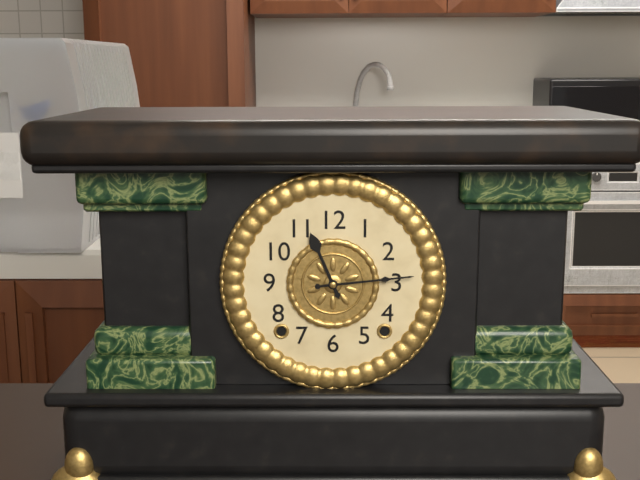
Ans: 11:14
